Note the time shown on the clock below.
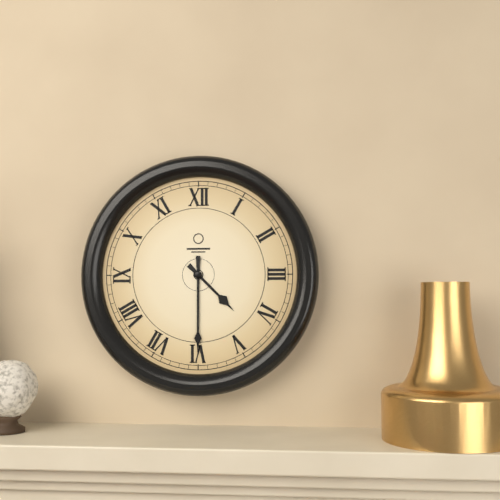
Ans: 4:30
